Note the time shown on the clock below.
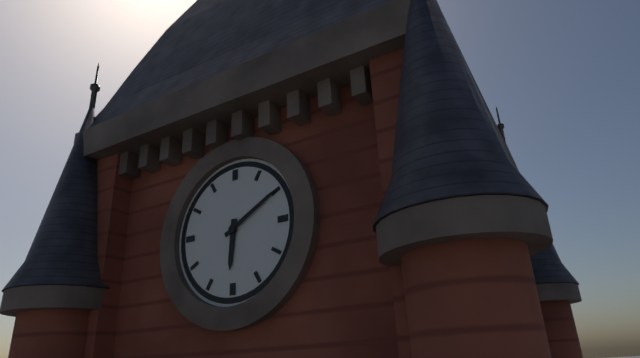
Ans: 6:10
